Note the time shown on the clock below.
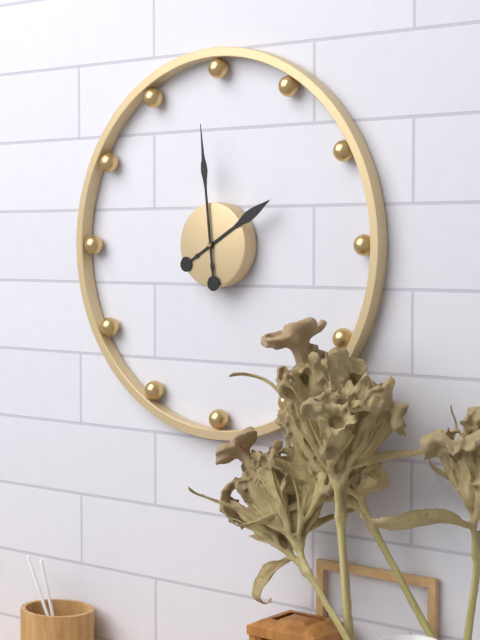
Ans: 1:59
